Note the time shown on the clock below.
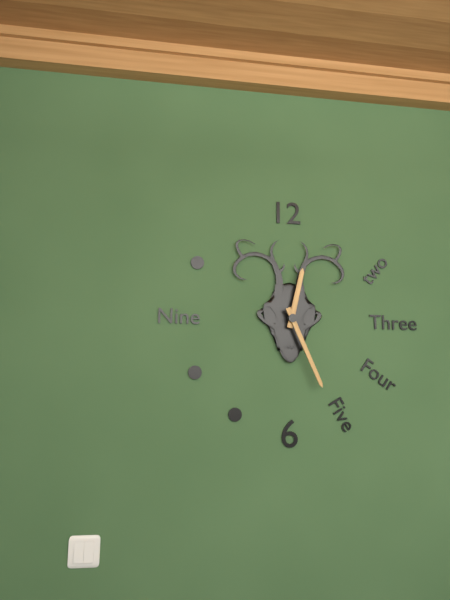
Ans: 12:26
